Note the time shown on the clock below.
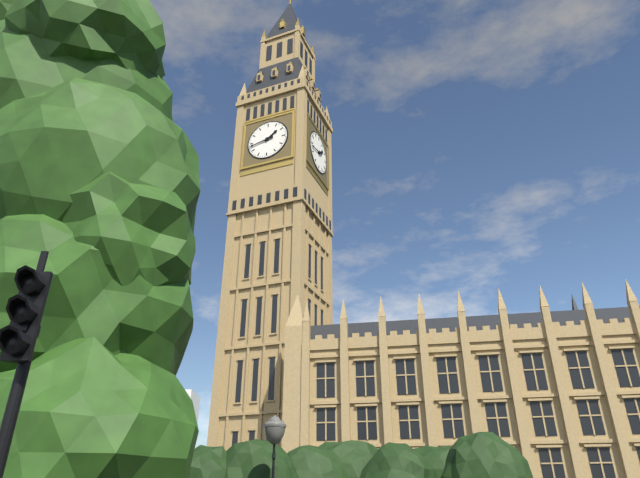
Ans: 1:43
